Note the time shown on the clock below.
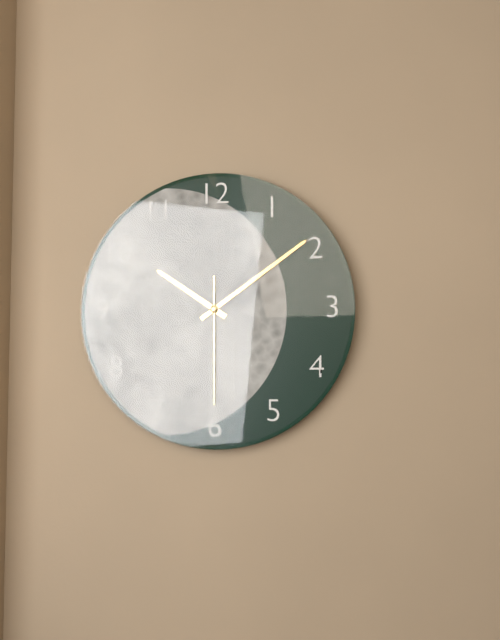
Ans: 10:09:30
